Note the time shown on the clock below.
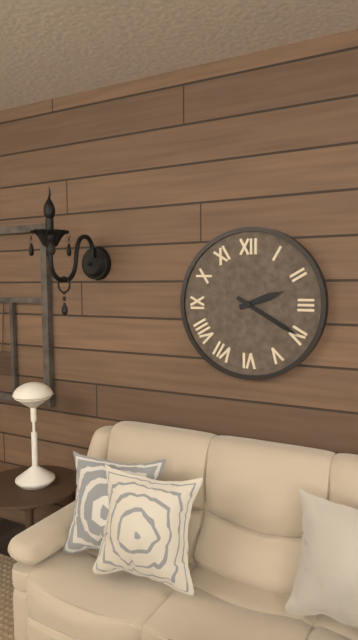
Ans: 2:20
